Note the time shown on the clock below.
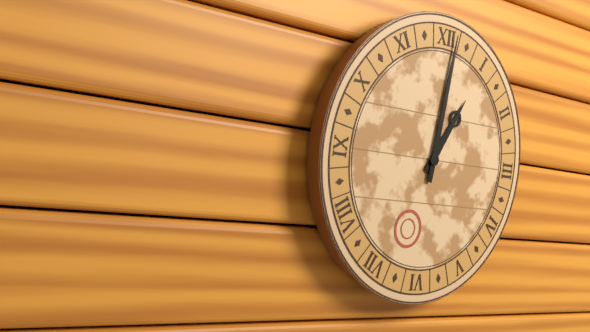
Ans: 1:01
